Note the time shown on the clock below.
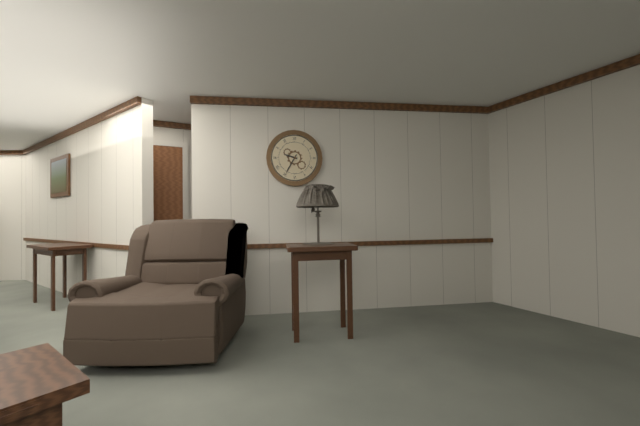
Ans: 9:35
